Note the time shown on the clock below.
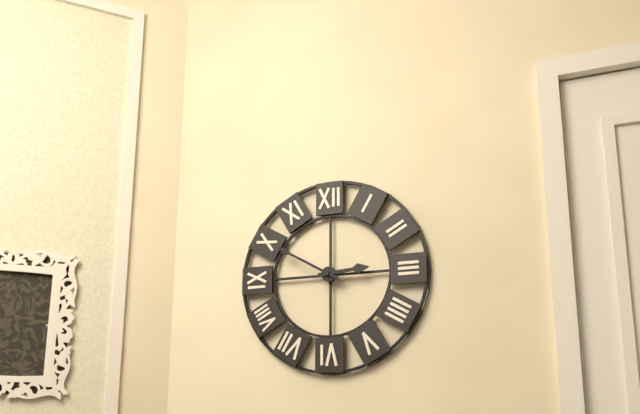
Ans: 2:50
